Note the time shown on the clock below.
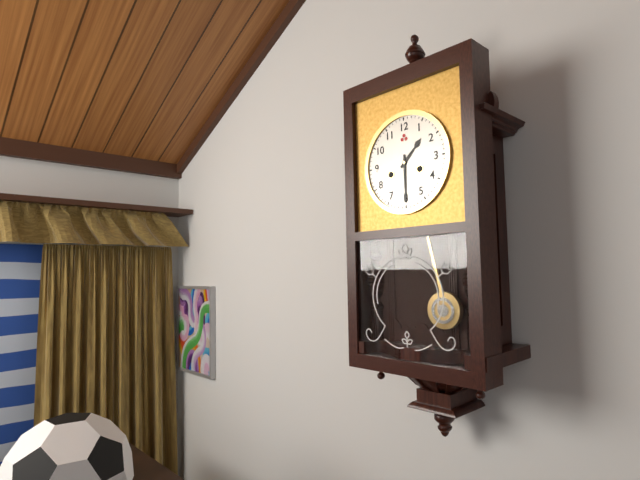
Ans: 1:30
